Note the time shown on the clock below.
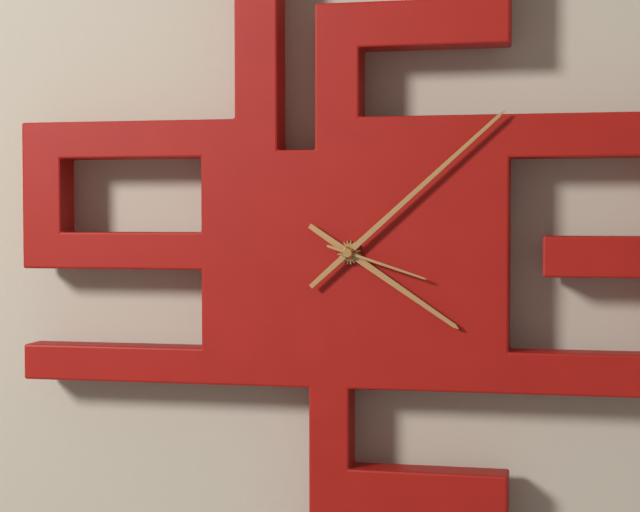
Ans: 4:08:18
